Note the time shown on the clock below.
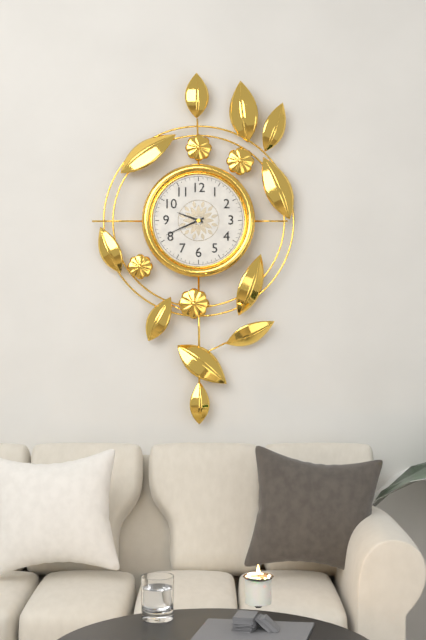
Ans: 9:41
